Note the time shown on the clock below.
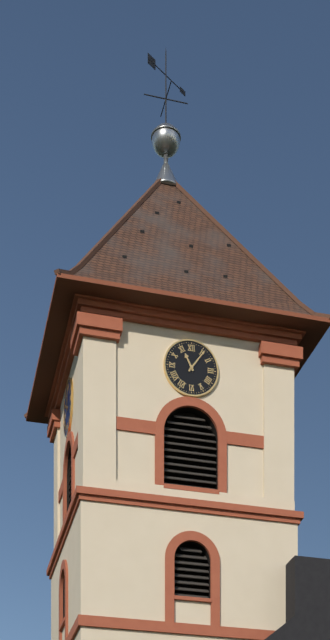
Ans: 11:06
